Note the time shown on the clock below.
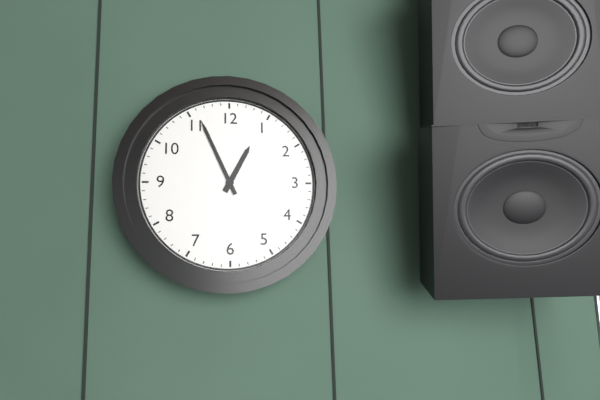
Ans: 12:56
